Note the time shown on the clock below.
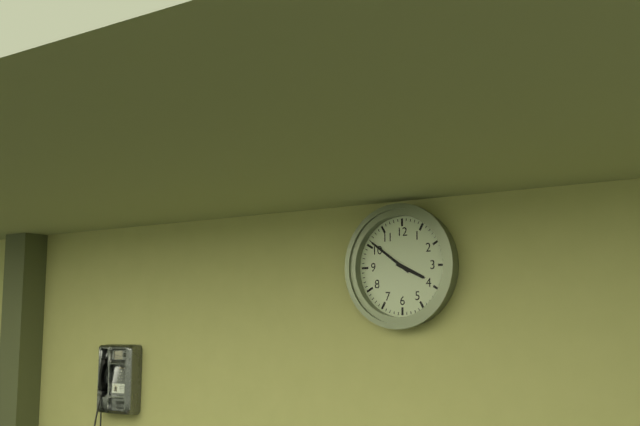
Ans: 3:51
